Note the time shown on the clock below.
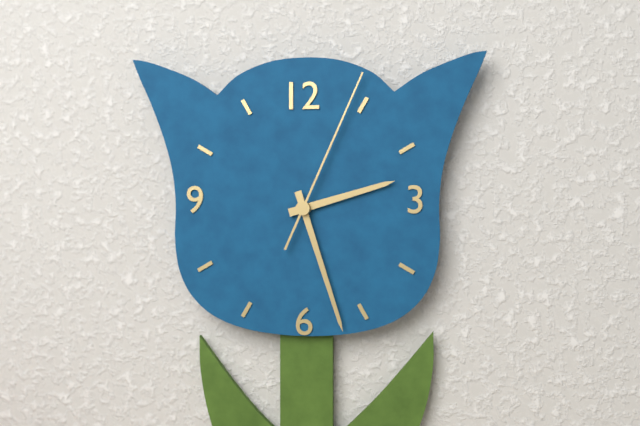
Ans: 2:27:04
